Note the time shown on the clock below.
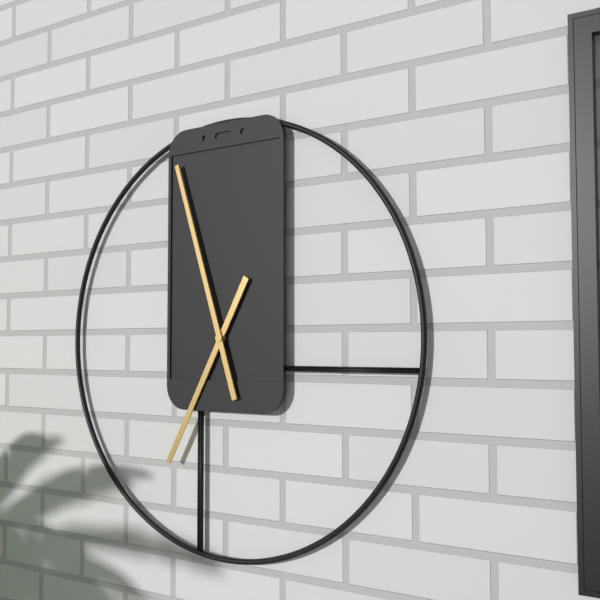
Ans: 6:57
